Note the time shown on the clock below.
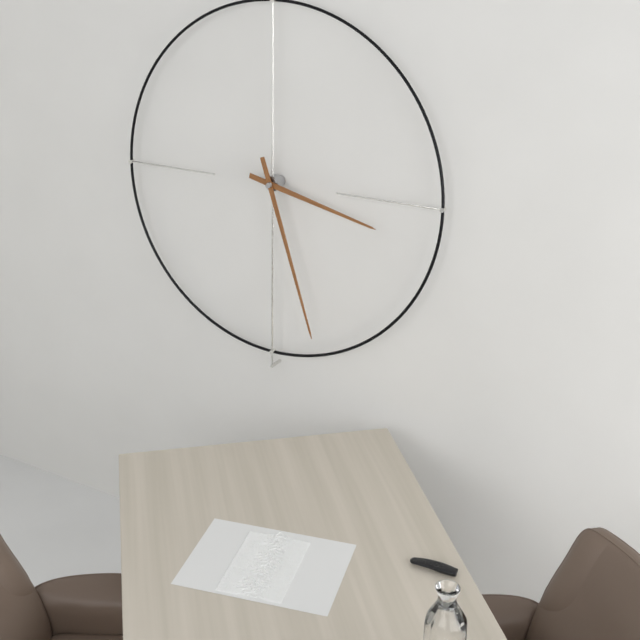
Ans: 3:27
